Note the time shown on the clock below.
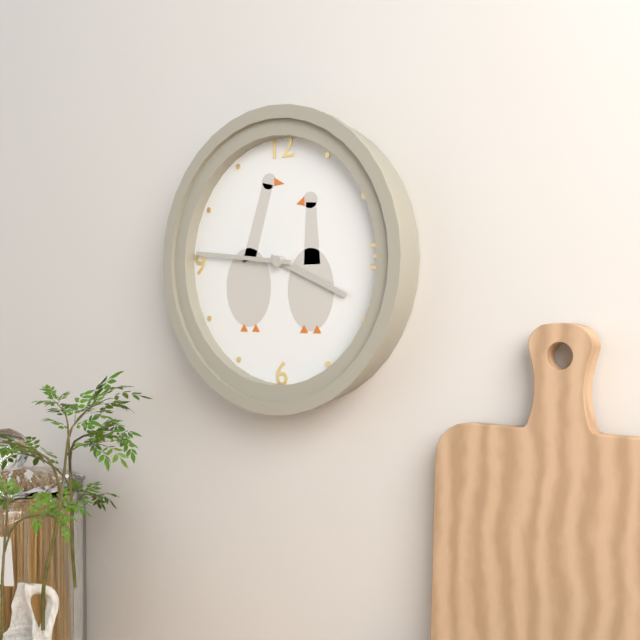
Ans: 3:46
